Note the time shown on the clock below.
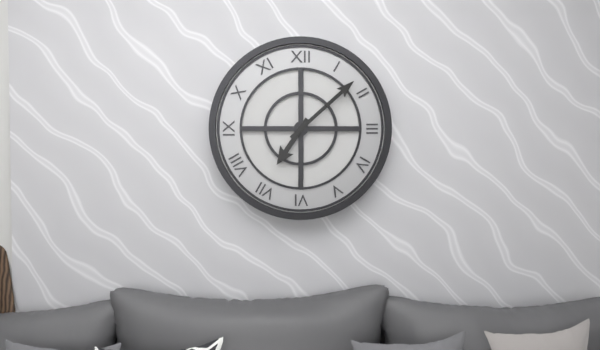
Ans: 7:08
